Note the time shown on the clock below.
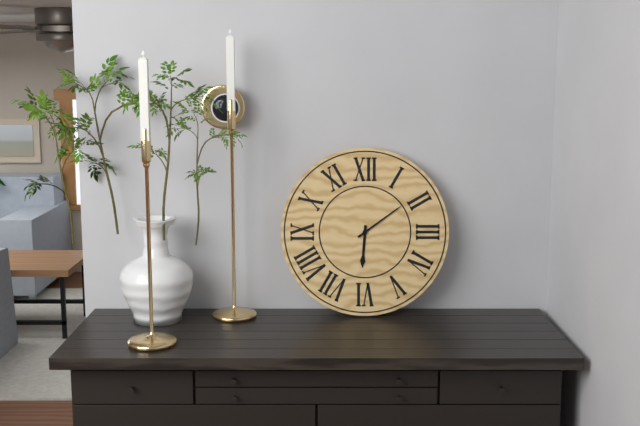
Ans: 6:09
